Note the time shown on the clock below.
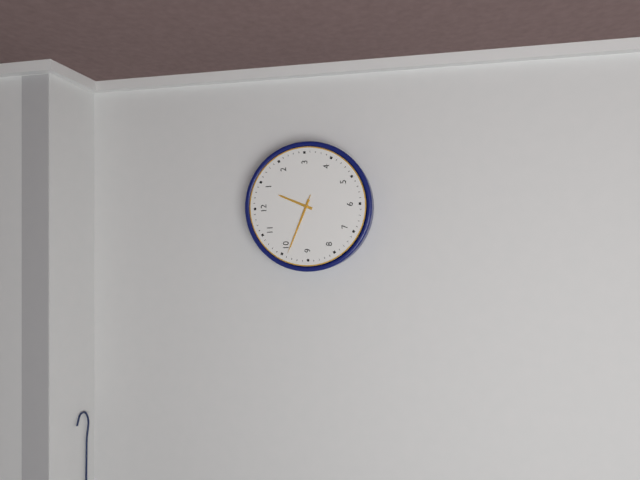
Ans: 12:49:49
